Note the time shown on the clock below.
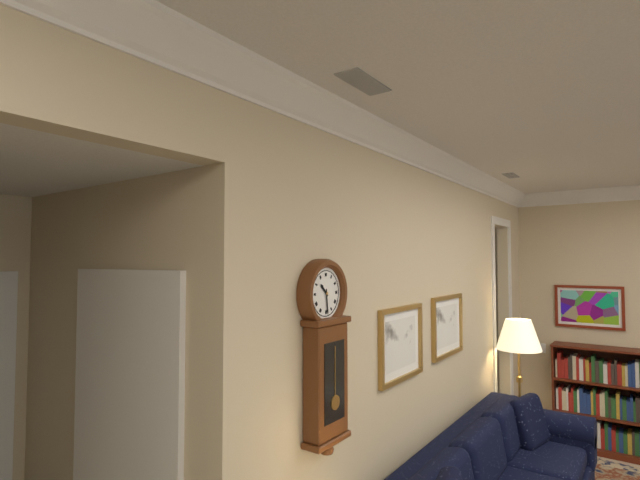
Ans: 10:29
